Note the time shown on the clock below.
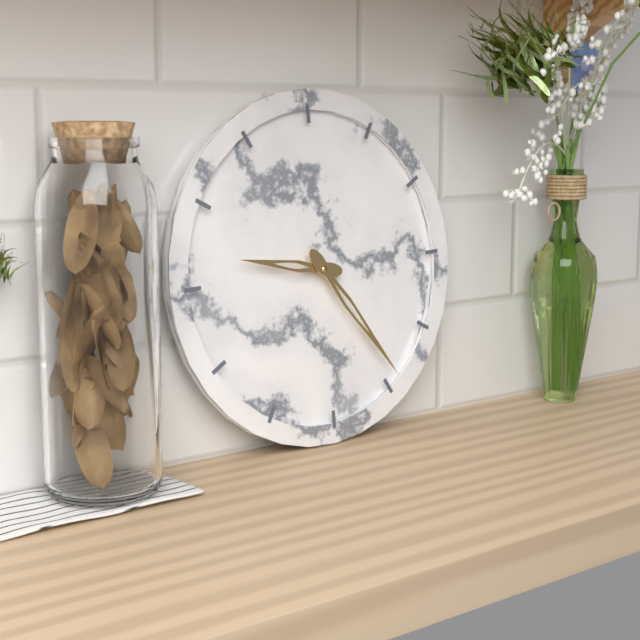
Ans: 9:24
